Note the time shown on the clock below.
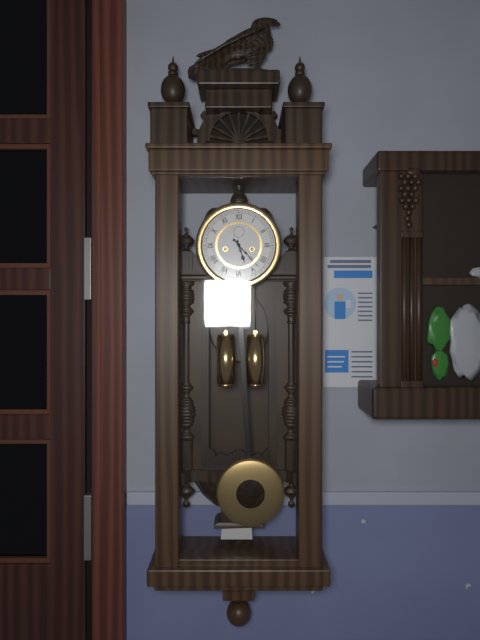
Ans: 5:23
